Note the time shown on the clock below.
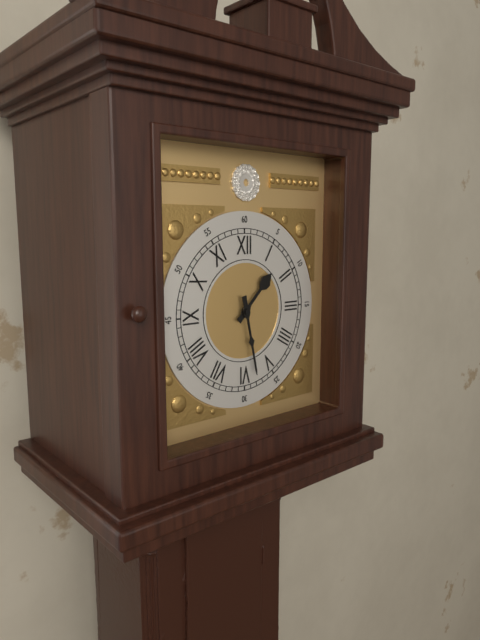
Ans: 1:28
